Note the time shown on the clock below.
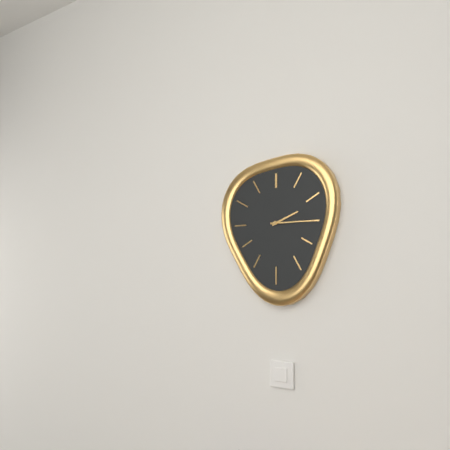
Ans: 2:15
